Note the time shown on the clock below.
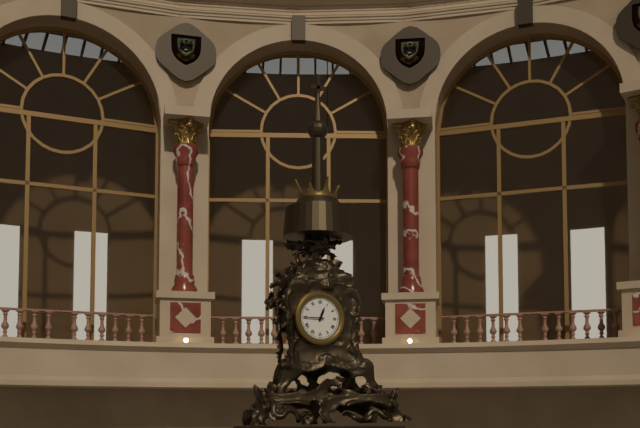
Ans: 12:45
